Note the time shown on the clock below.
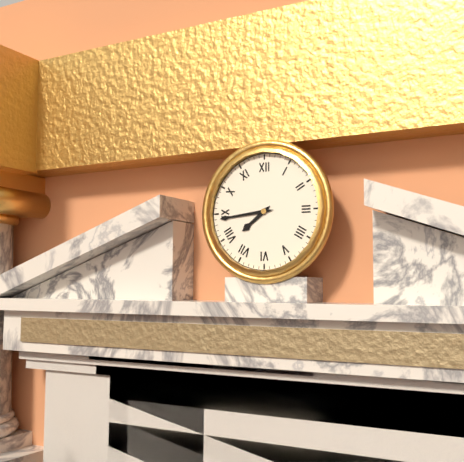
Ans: 7:44
